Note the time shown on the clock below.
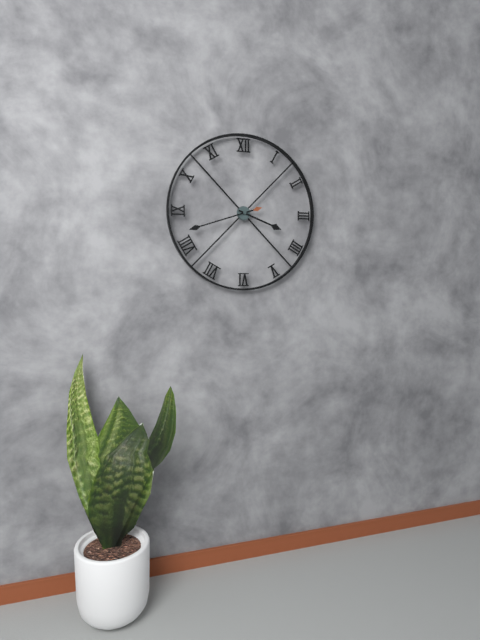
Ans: 3:42
